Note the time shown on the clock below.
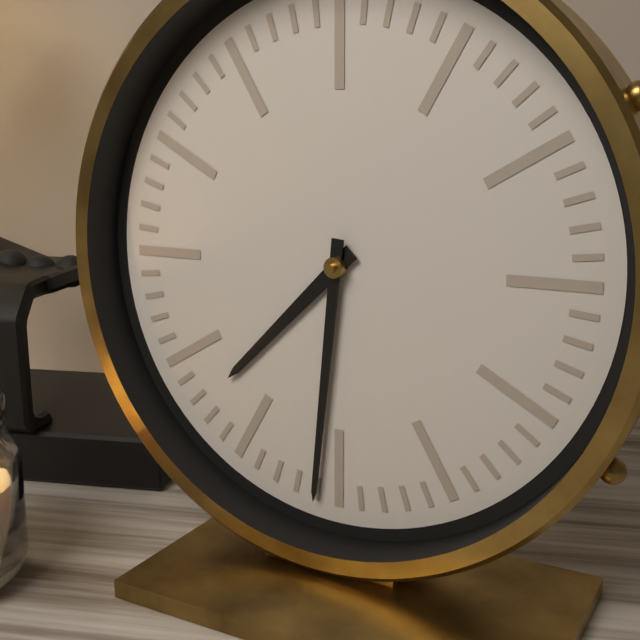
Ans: 7:31
